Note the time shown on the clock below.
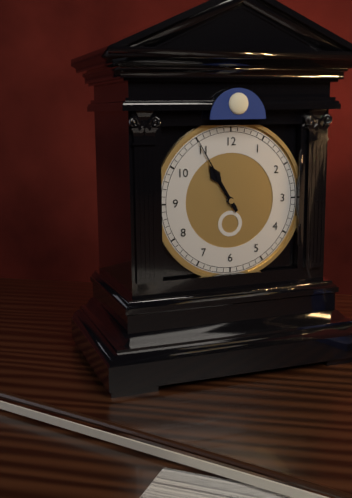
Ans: 10:55
